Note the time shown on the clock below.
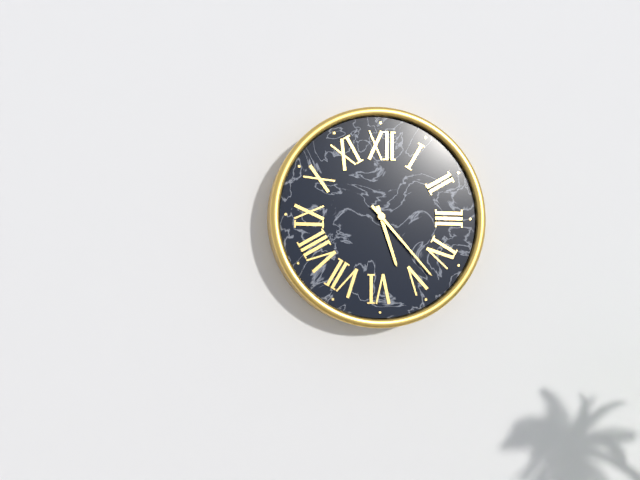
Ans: 5:23
